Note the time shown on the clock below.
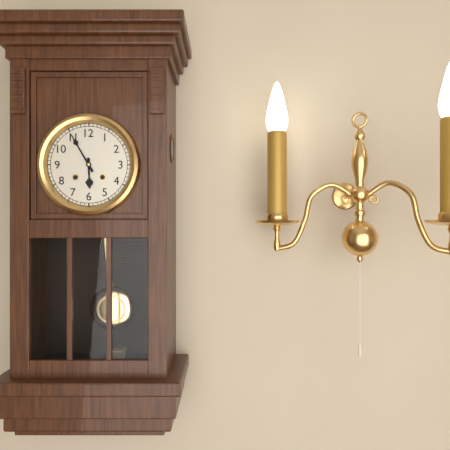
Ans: 5:55
